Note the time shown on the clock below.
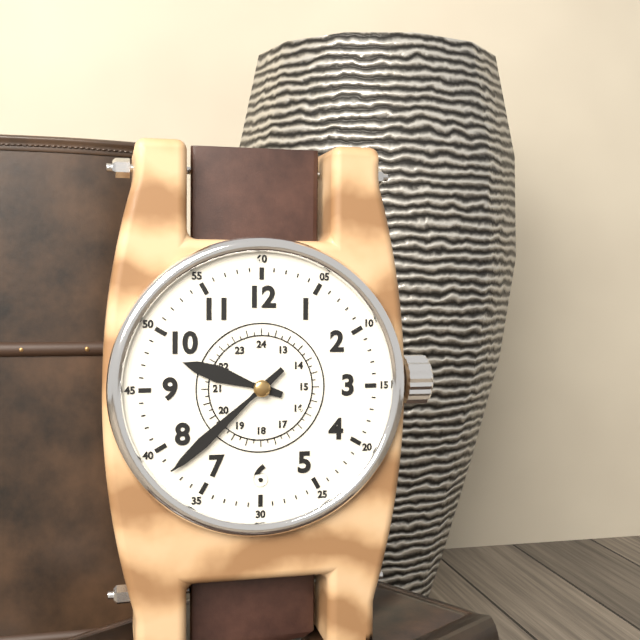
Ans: 9:38
